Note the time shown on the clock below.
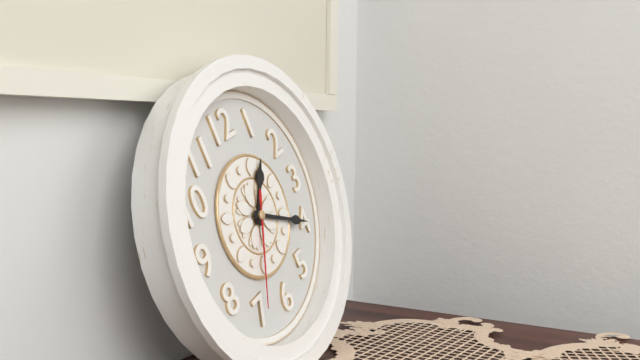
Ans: 1:20:35
